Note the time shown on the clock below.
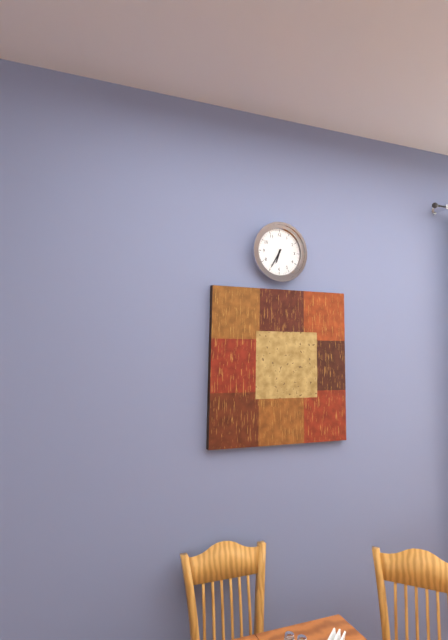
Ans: 6:35
